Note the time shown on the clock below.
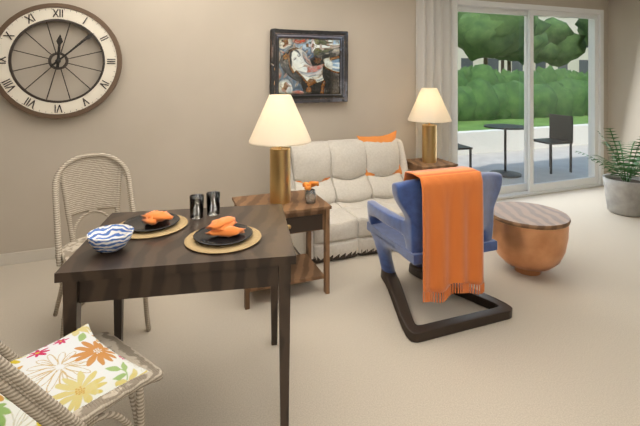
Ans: 12:08
